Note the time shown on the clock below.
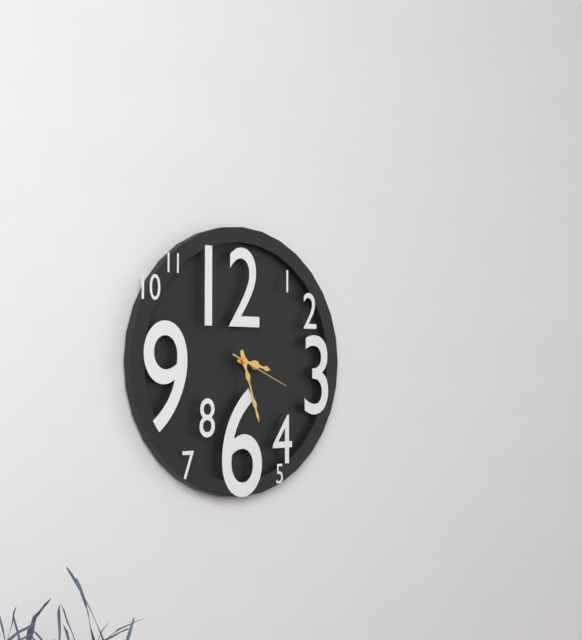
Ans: 3:27:19
